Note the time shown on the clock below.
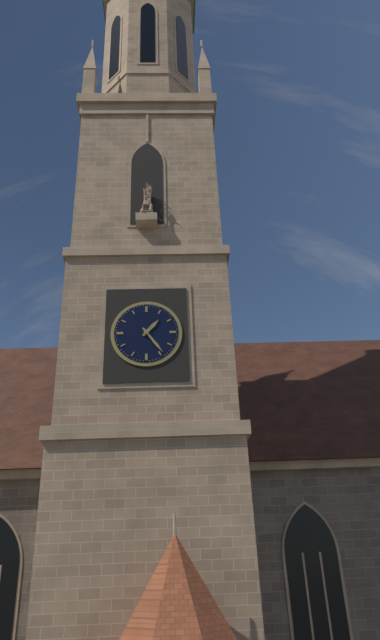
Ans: 1:24
